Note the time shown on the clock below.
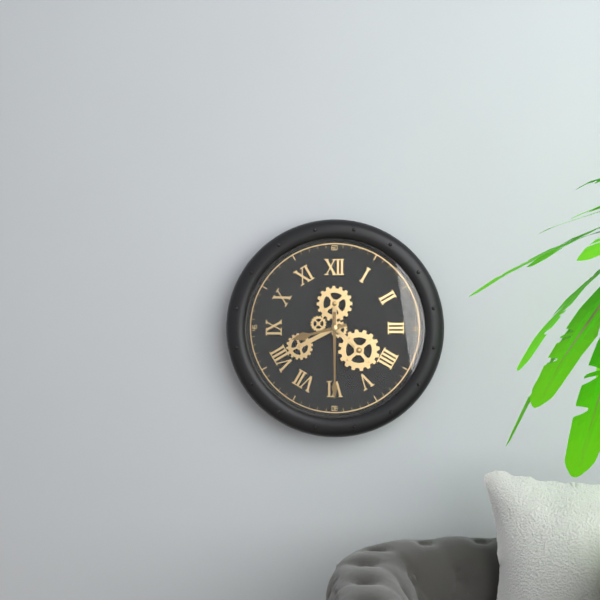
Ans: 8:30
